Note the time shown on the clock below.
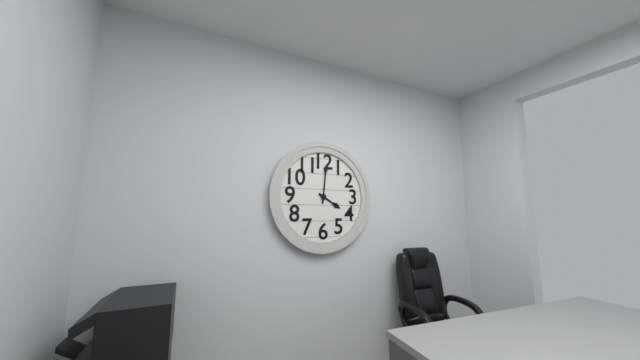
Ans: 4:01
